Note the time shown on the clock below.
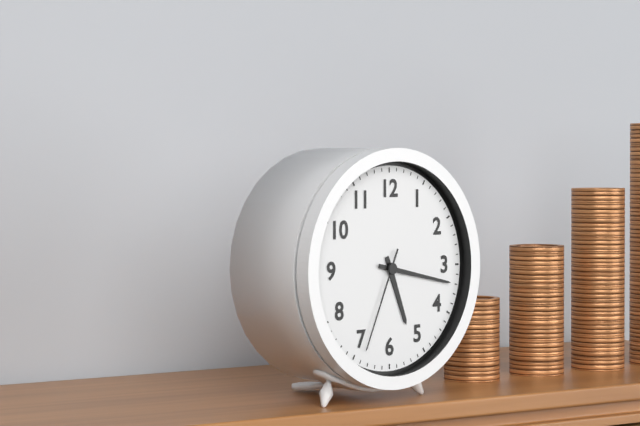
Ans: 5:17:34
